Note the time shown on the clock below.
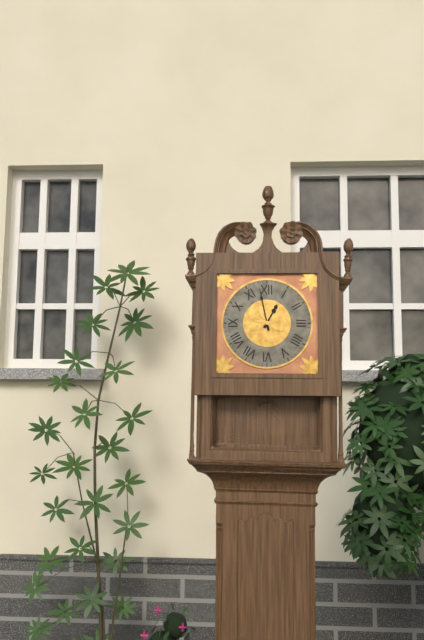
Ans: 12:58
